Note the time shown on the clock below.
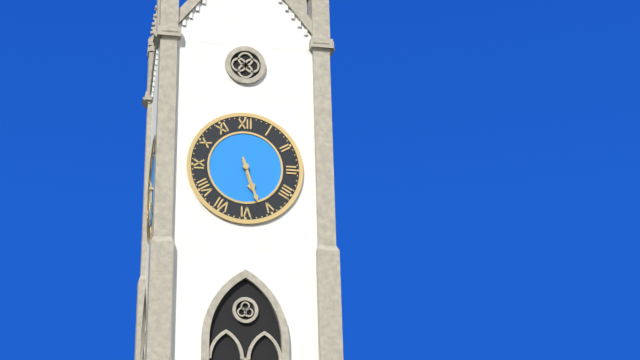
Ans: 5:27
